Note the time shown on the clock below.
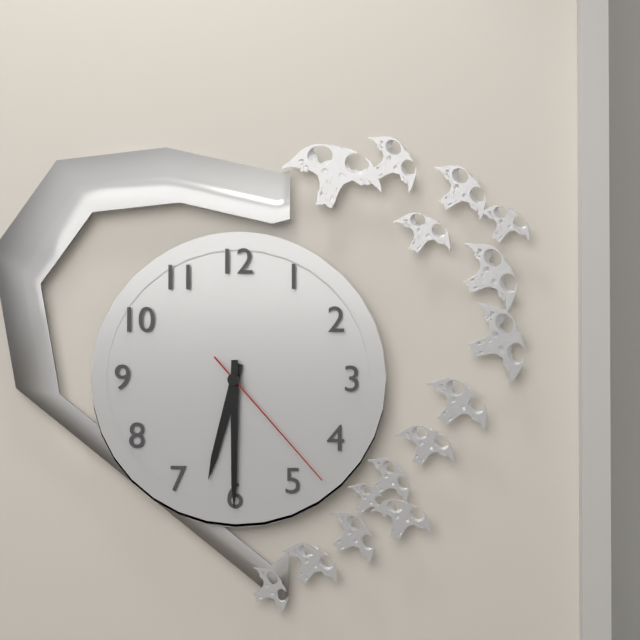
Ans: 6:30:23
